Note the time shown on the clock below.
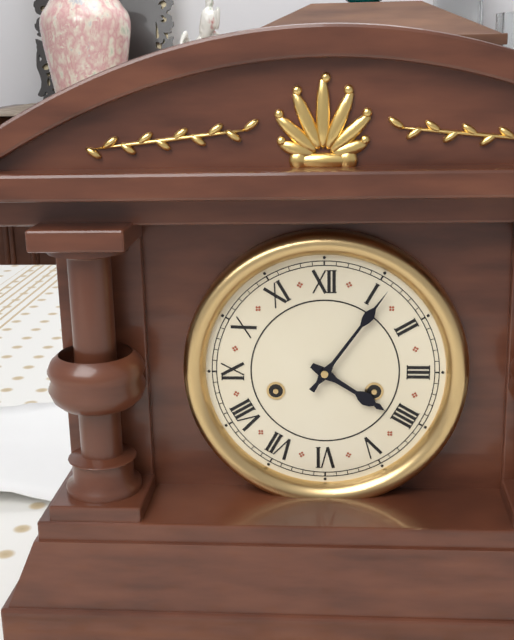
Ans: 4:06
